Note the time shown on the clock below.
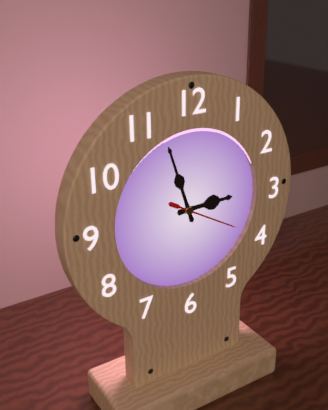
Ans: 2:57:20
